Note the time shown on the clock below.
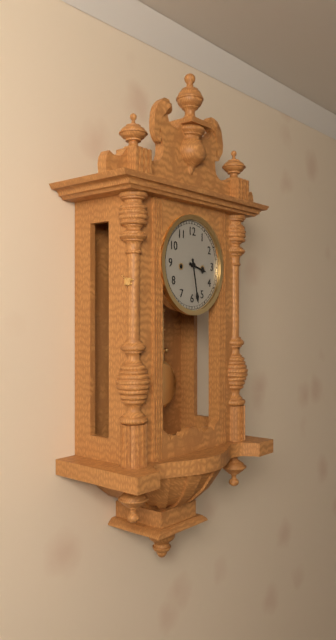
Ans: 3:28
